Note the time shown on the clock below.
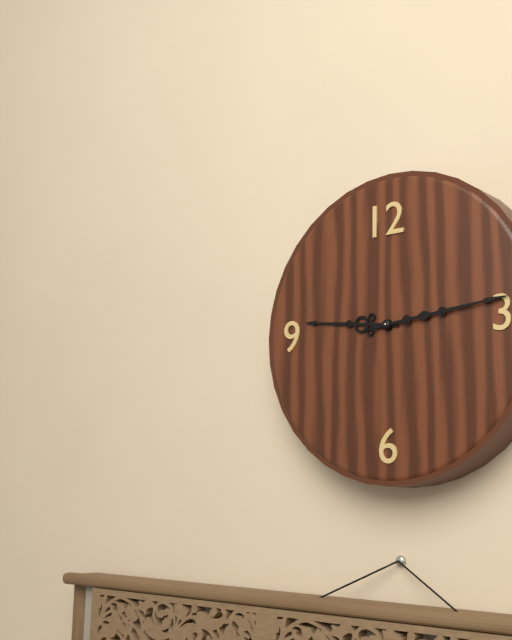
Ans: 9:14
